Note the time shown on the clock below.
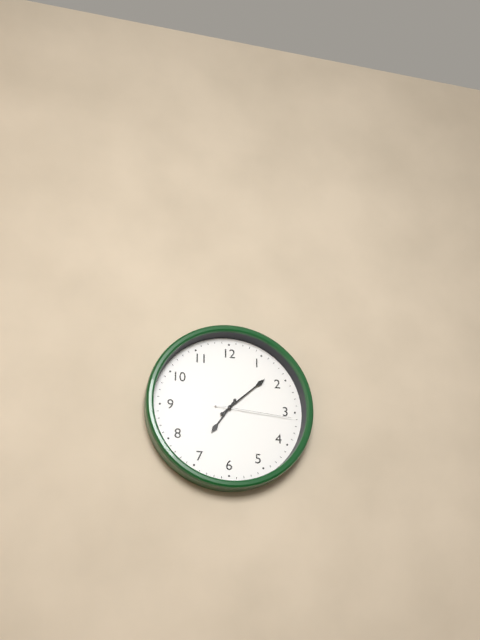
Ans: 7:08:16
